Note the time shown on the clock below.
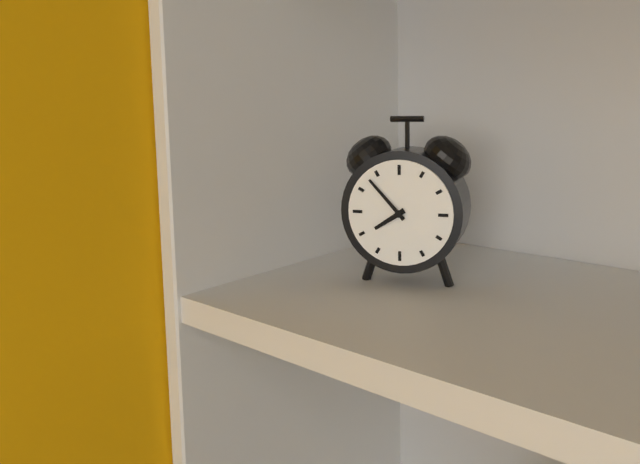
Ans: 7:53
